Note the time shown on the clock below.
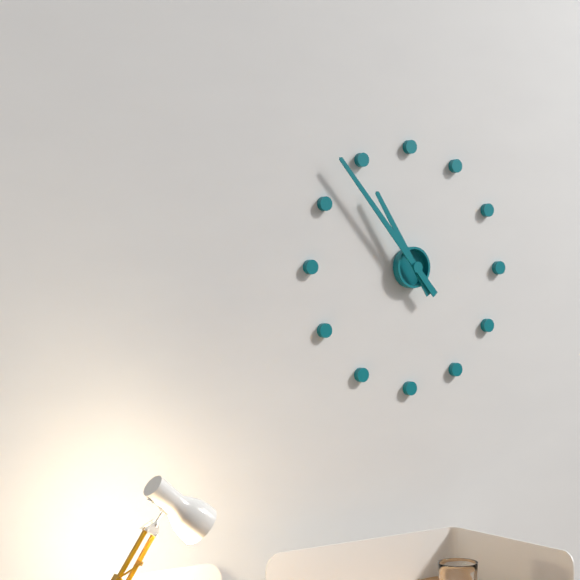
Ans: 10:53
